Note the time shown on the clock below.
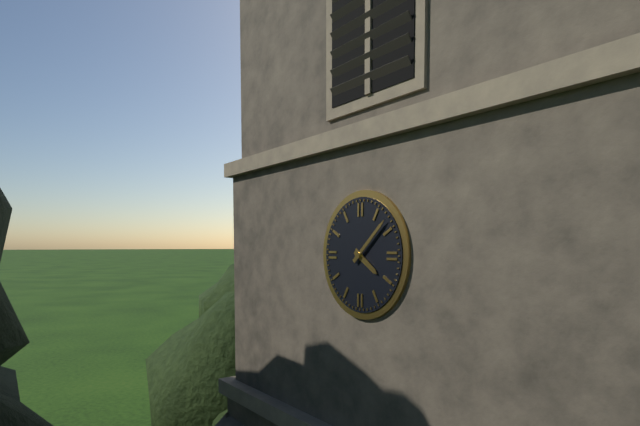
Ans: 4:08
